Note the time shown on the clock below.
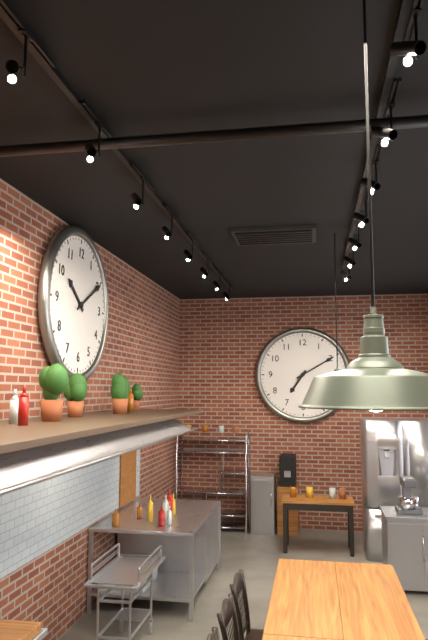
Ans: 7:10
